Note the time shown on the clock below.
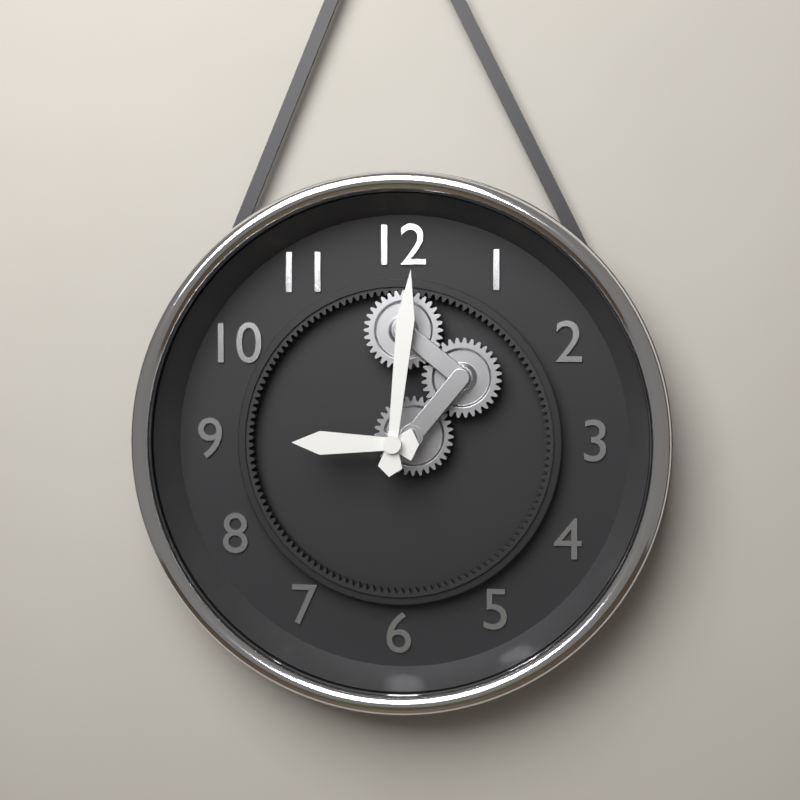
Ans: 9:01
